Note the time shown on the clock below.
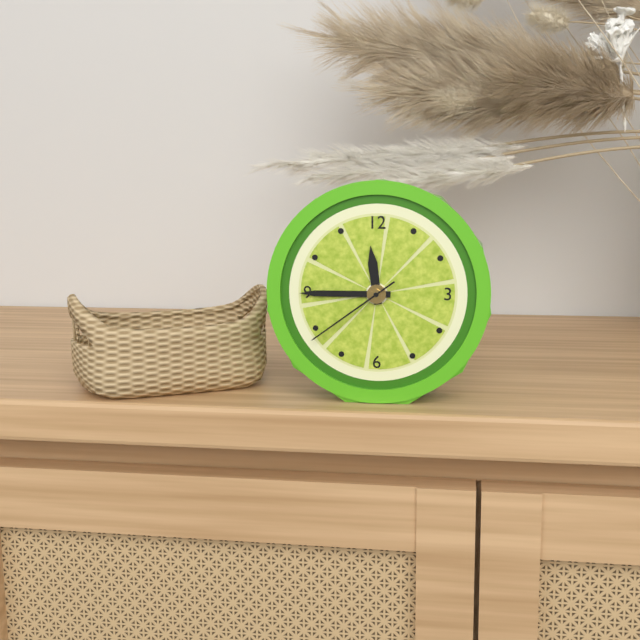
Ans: 11:45:39
